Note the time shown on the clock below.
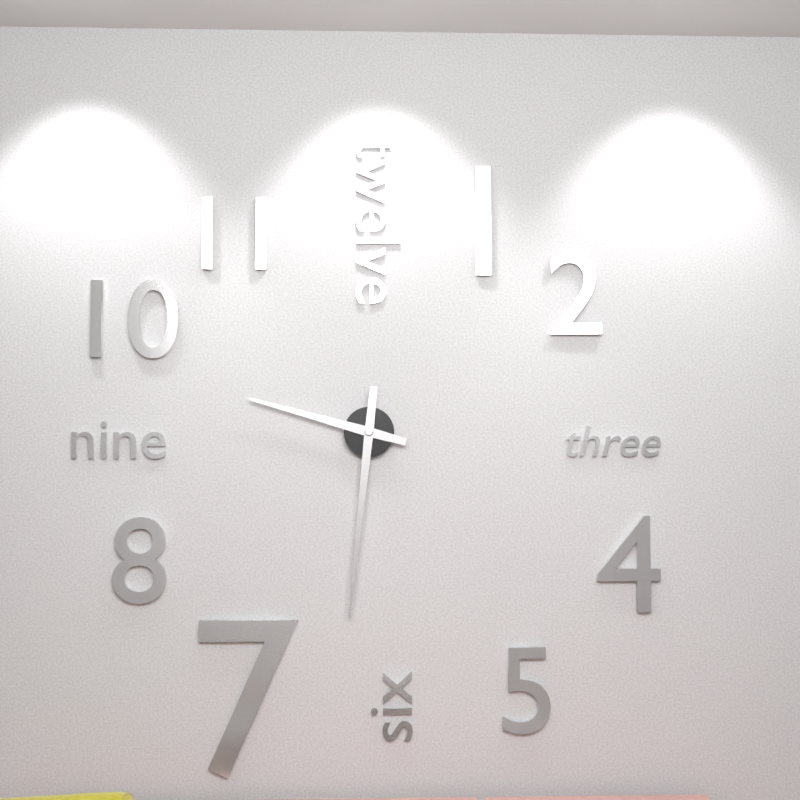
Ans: 9:31
